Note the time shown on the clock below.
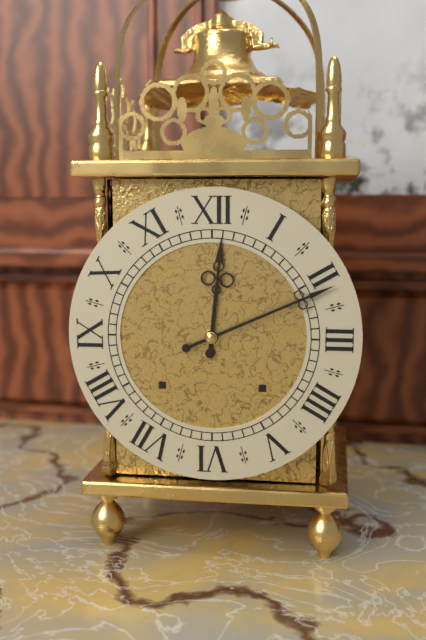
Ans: 12:11
